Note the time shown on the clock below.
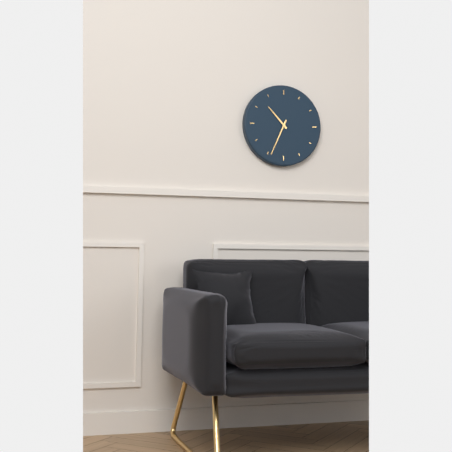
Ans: 10:34
